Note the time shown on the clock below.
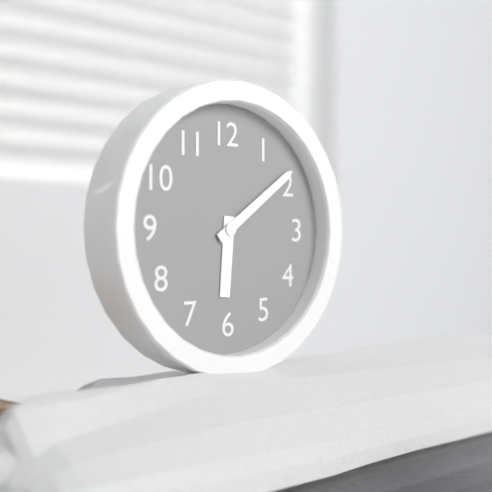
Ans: 6:09
